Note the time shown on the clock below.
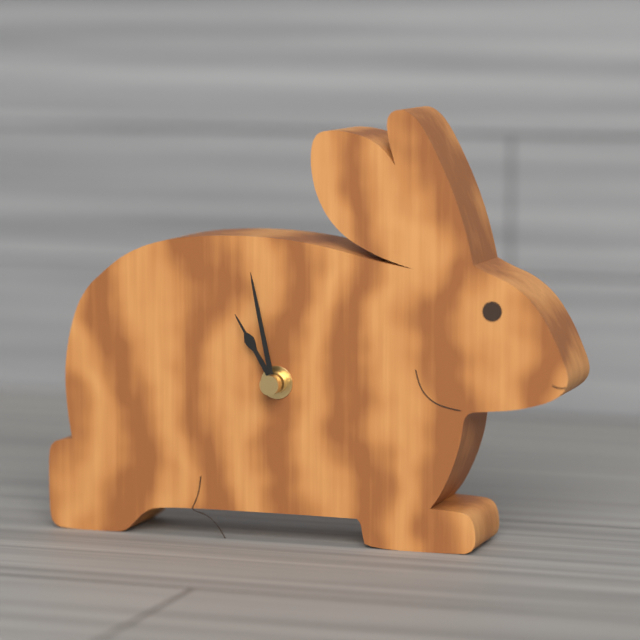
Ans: 10:58
